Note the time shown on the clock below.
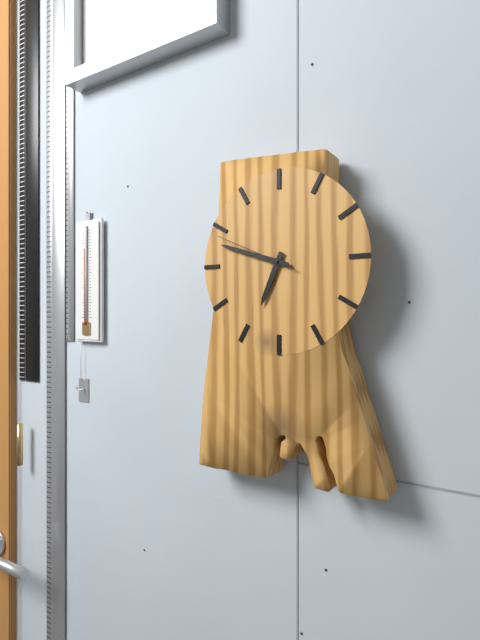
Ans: 6:48:49
